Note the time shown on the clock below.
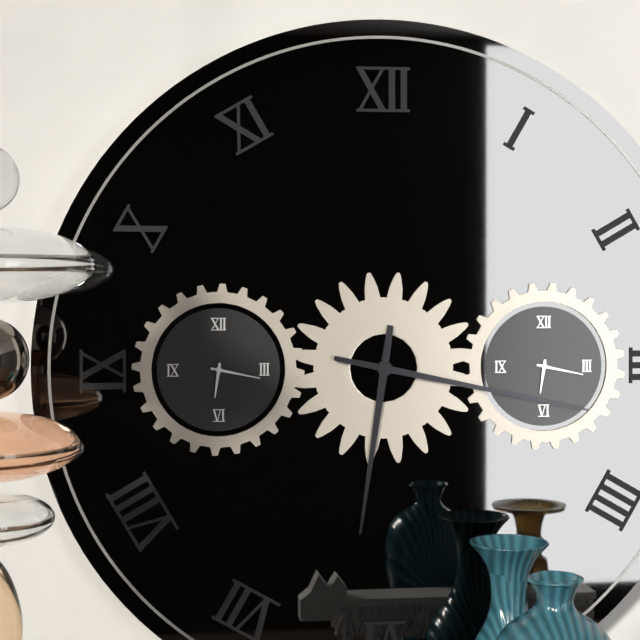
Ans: 6:17
